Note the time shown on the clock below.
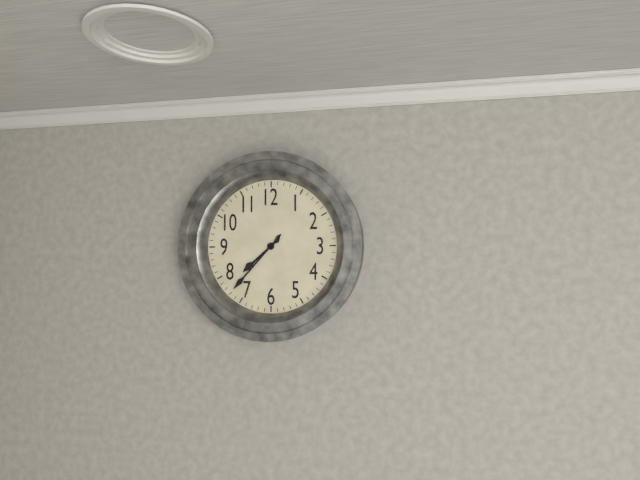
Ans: 7:37
